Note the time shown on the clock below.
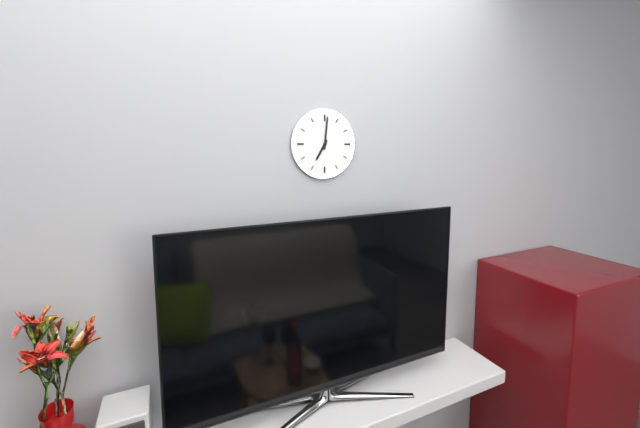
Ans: 7:01
